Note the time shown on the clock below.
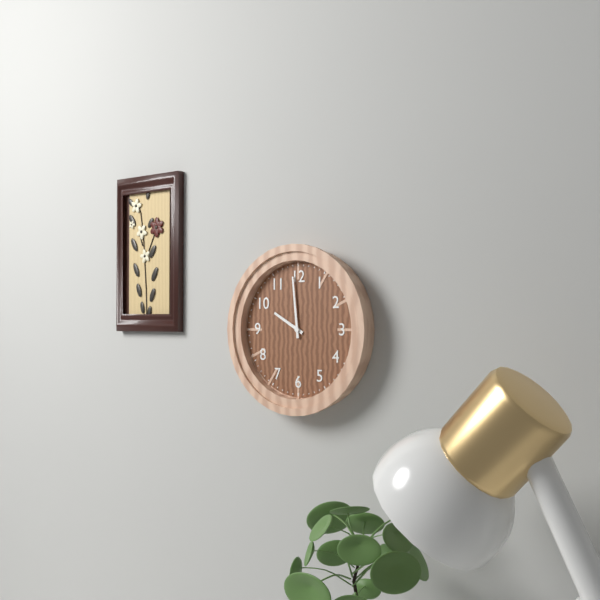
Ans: 9:59
